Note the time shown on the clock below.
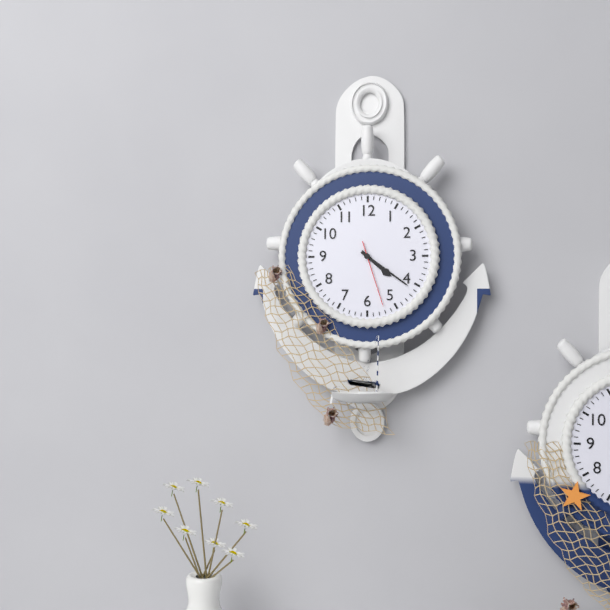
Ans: 4:21:27
